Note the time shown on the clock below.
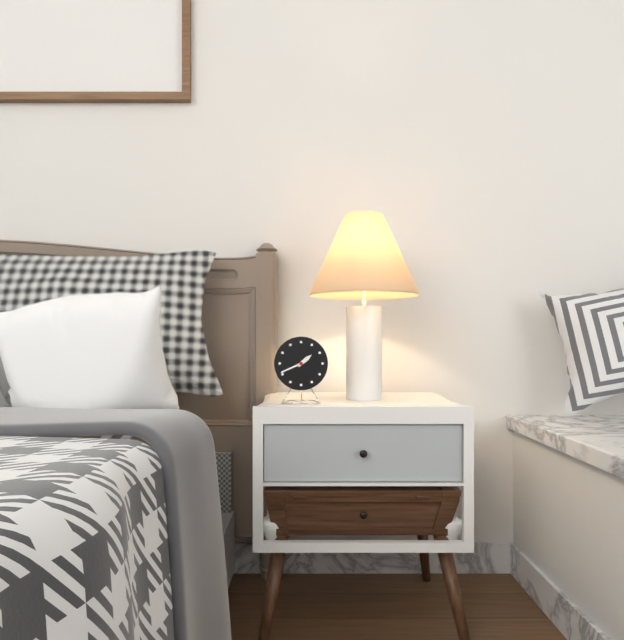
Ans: 1:41
